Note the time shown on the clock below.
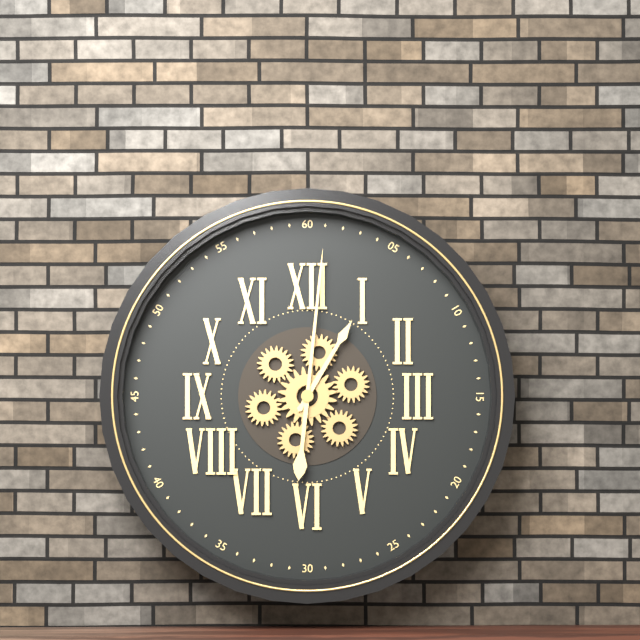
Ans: 1:01
